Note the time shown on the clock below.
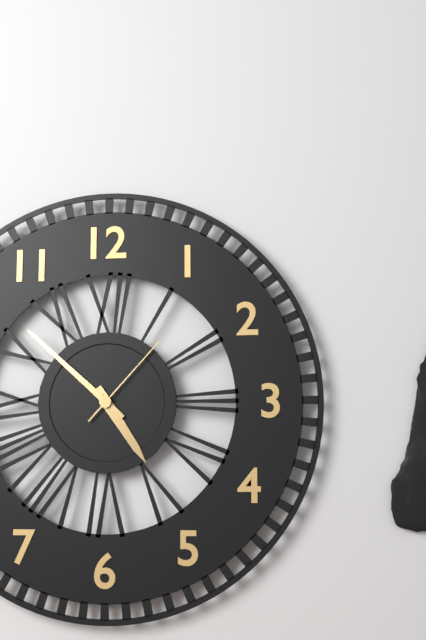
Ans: 4:52:07
